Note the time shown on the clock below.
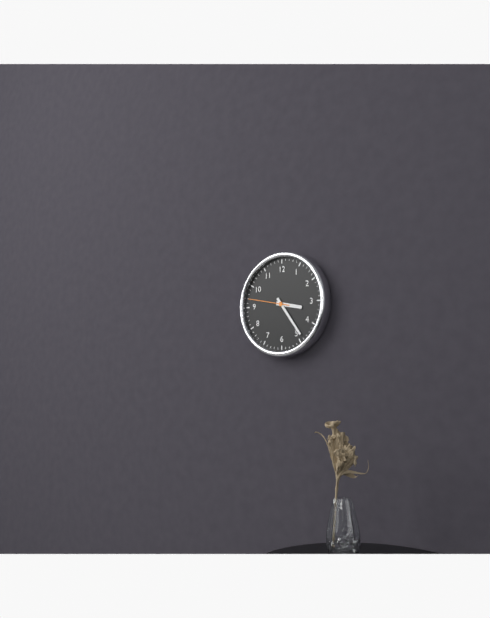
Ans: 3:24
